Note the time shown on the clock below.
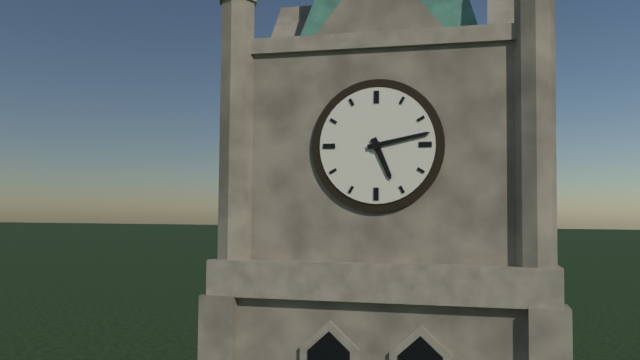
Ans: 5:13
